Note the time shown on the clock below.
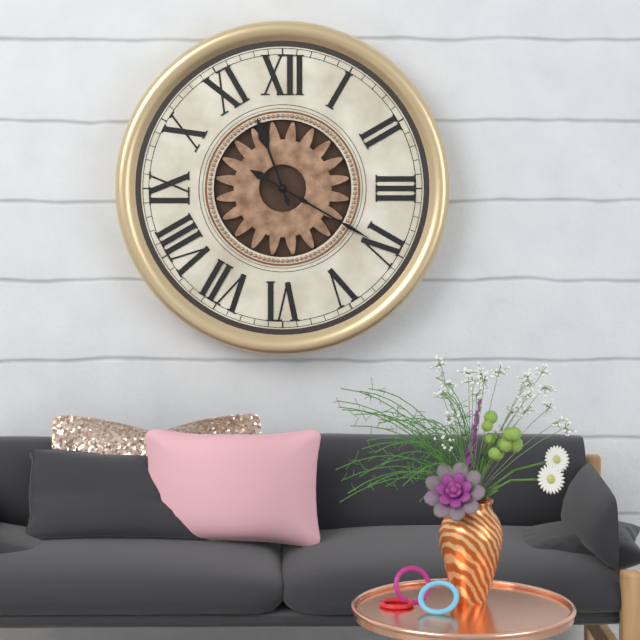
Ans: 11:20
